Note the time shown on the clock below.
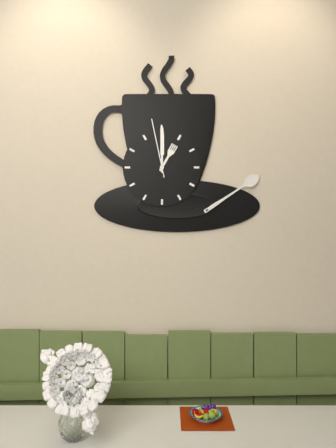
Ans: 1:00:58
